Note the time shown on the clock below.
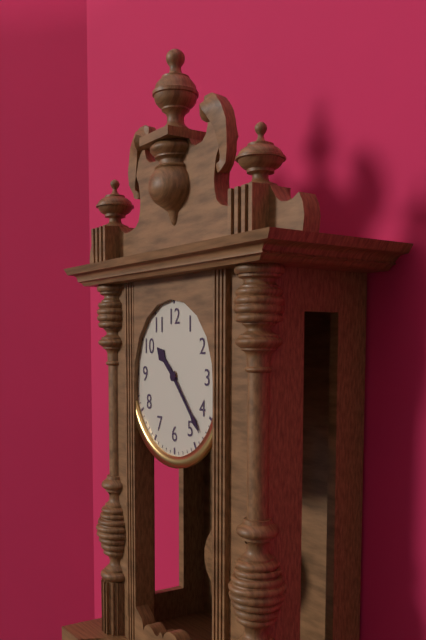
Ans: 10:23
